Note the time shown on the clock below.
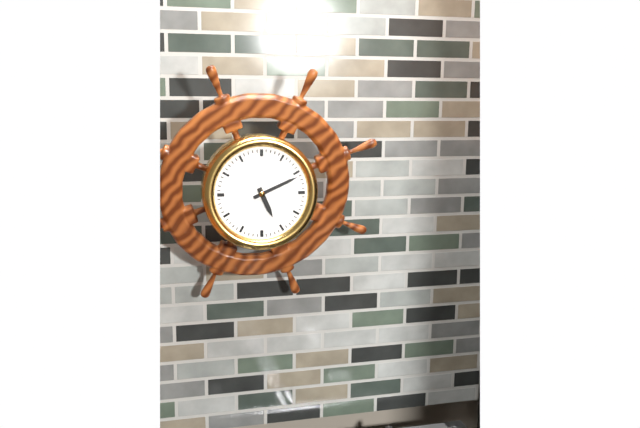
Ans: 5:11
